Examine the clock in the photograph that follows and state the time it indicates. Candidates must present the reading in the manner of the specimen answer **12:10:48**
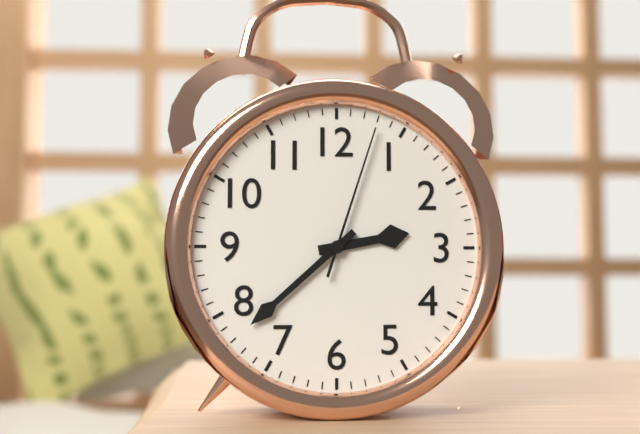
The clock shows **2:38:03**
